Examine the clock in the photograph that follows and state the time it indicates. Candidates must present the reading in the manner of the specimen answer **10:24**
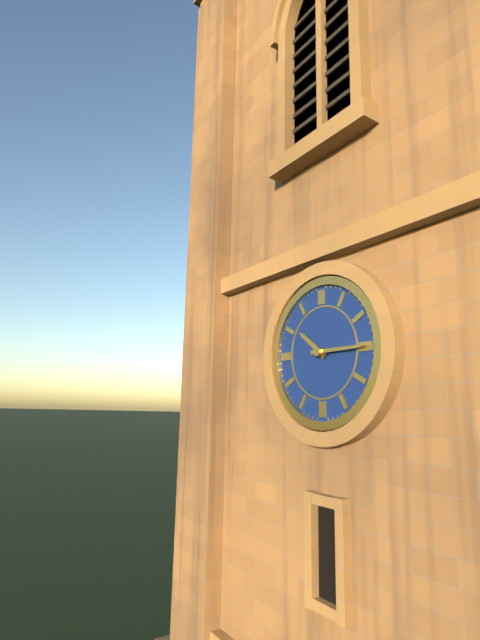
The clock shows **10:15**
